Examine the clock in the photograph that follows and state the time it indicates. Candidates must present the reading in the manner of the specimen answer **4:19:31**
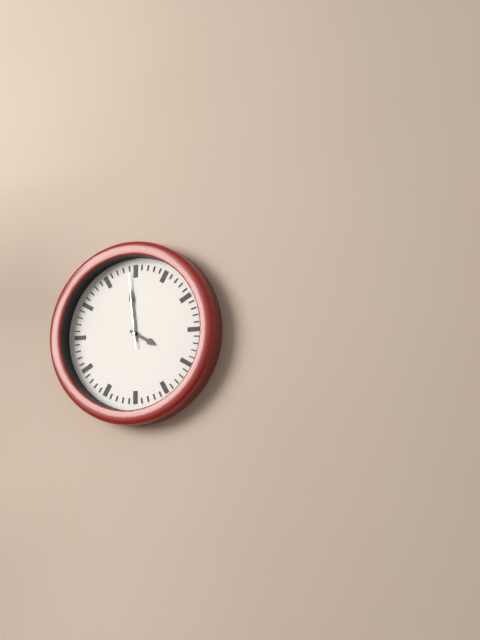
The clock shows **3:59:59**
